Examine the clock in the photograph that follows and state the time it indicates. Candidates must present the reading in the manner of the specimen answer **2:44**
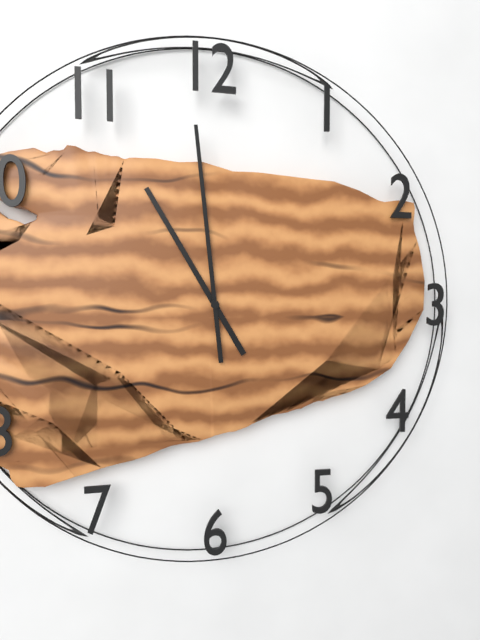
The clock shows **10:59**
